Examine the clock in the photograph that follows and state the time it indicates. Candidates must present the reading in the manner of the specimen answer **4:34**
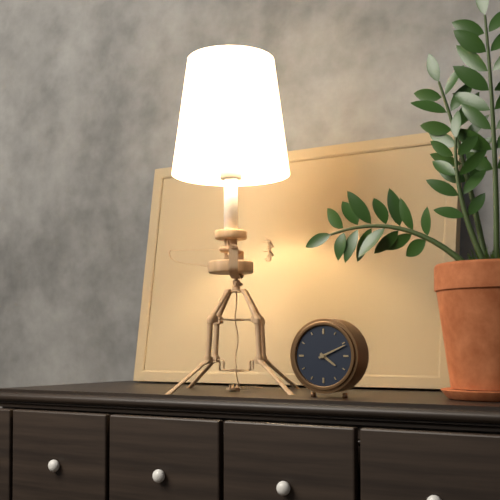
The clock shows **4:11**
